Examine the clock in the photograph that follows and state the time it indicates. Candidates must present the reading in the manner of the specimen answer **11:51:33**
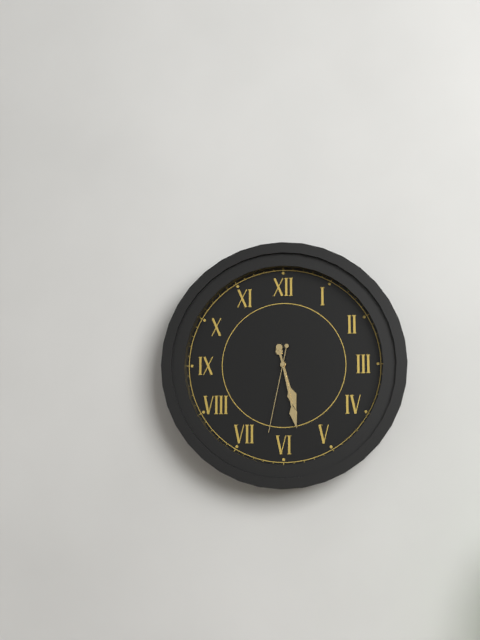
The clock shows **5:28:32**
